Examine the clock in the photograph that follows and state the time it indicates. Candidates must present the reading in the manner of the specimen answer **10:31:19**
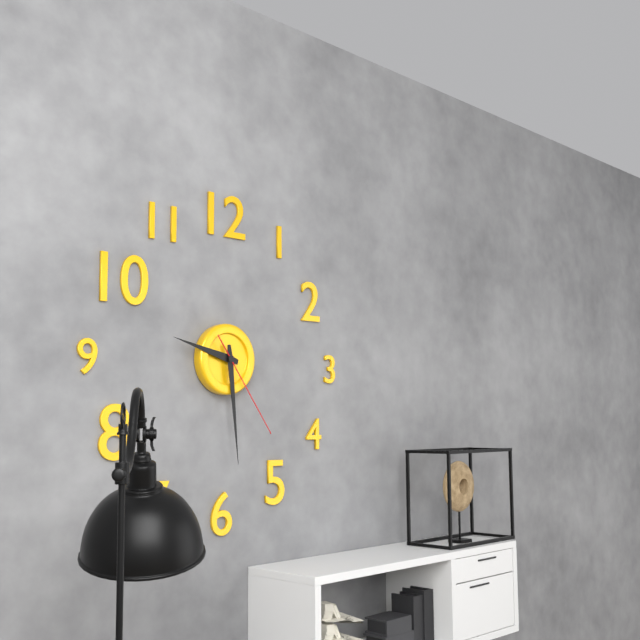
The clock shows **9:29:24**
